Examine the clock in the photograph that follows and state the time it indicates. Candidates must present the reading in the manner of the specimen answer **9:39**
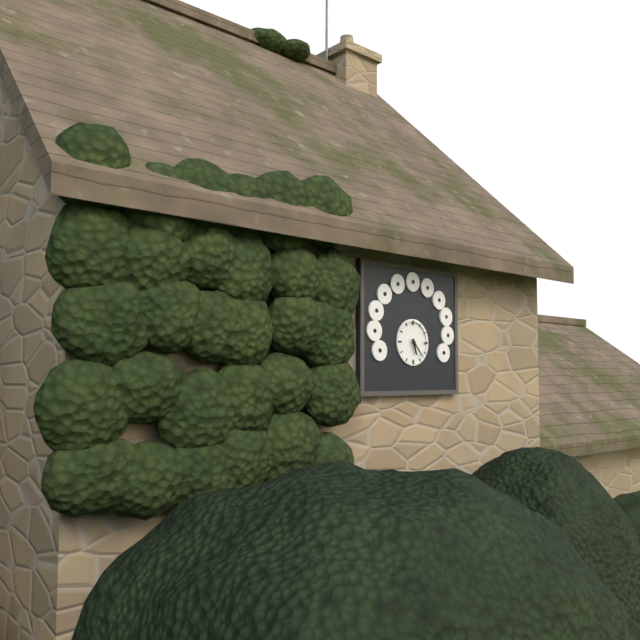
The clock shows **5:23**
